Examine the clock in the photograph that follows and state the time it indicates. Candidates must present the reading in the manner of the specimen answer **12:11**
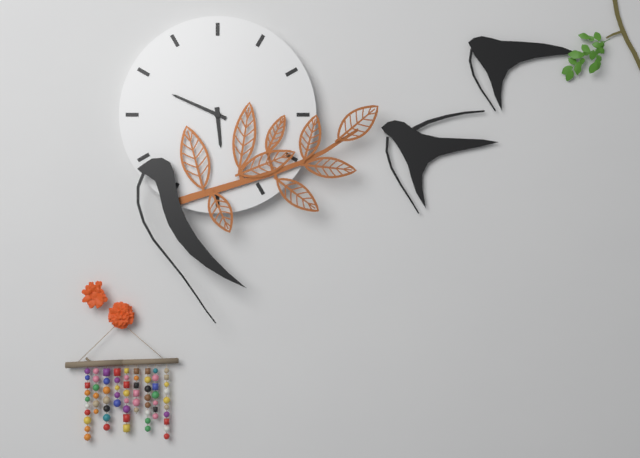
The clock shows **5:49**
